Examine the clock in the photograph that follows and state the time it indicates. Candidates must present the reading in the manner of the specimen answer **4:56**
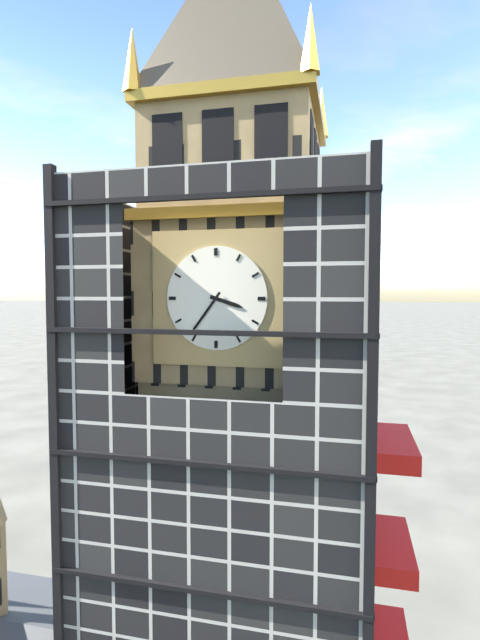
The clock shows **3:36**
